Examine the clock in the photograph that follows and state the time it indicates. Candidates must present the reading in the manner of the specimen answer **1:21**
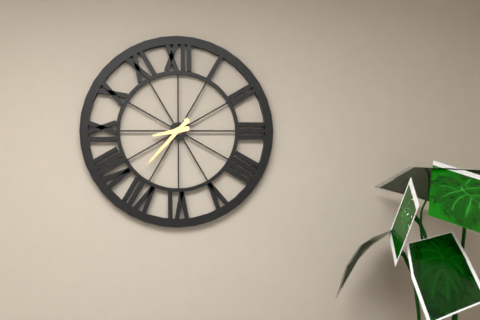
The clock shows **8:37**
